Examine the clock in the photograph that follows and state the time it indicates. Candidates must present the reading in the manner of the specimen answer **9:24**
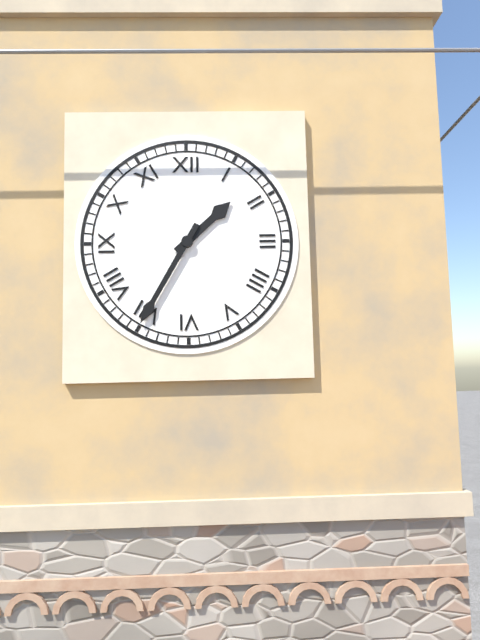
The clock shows **1:35**
